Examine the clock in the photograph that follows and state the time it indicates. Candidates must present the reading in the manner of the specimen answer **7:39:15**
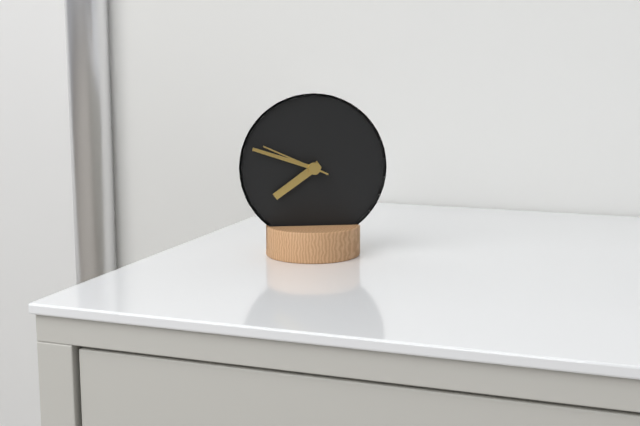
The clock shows **7:48:49**
